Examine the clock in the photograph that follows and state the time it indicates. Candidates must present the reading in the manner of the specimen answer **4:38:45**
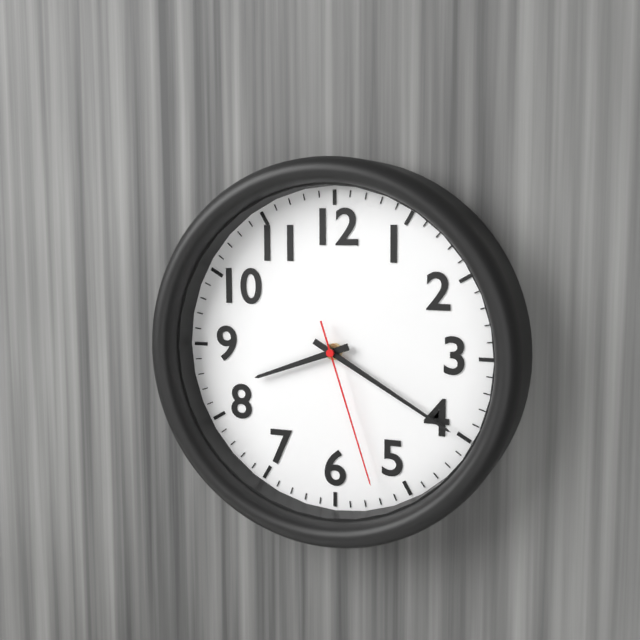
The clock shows **8:20:27**
